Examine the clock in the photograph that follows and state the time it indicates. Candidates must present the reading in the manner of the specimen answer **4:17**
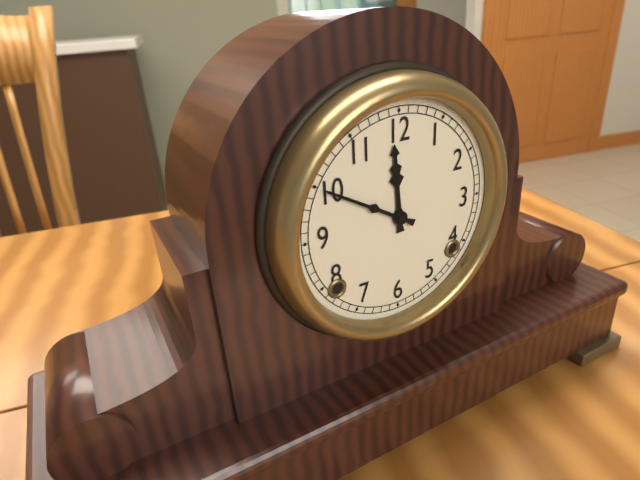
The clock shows **11:50**
